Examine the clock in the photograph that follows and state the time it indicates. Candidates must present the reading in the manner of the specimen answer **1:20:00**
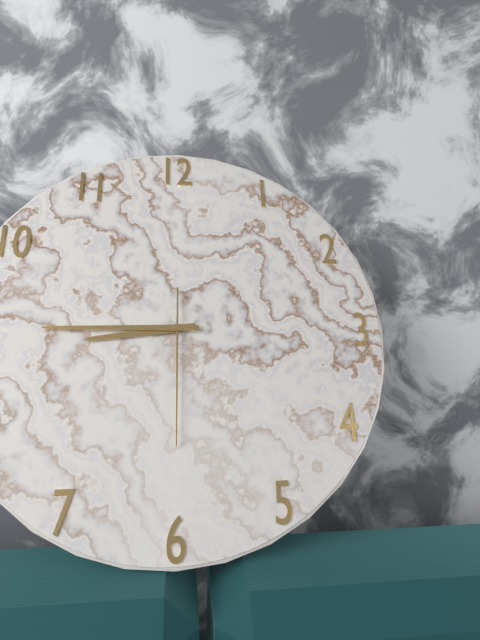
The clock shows **8:45:30**
